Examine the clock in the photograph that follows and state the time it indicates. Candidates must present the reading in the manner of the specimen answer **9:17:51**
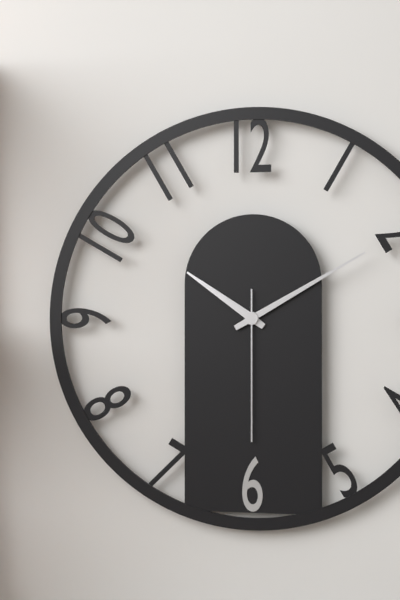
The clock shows **10:10:30**
